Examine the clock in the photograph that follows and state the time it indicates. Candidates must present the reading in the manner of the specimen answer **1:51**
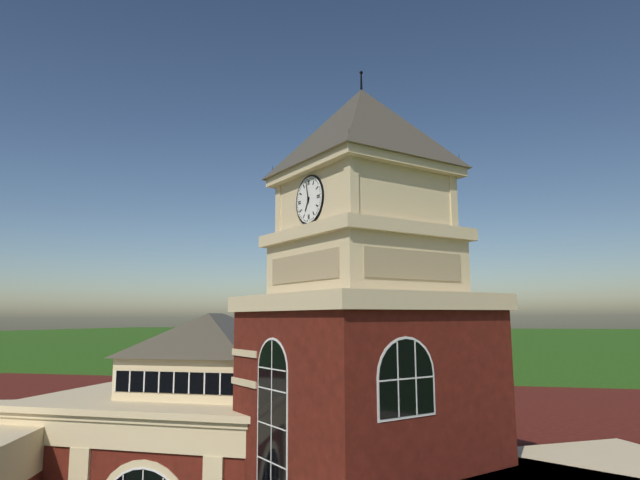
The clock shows **6:58**
